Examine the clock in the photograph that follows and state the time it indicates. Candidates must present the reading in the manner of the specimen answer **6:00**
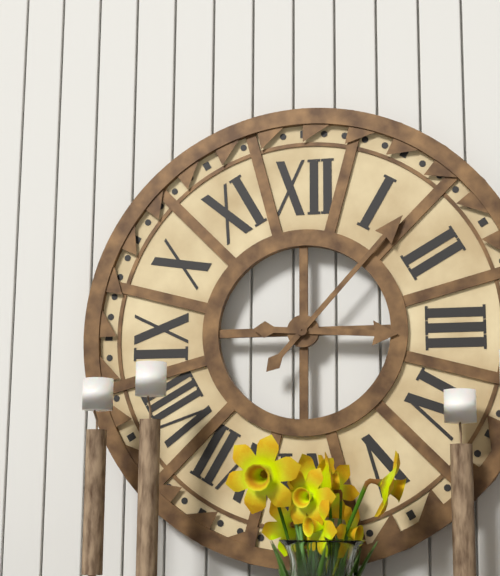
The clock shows **3:07**
